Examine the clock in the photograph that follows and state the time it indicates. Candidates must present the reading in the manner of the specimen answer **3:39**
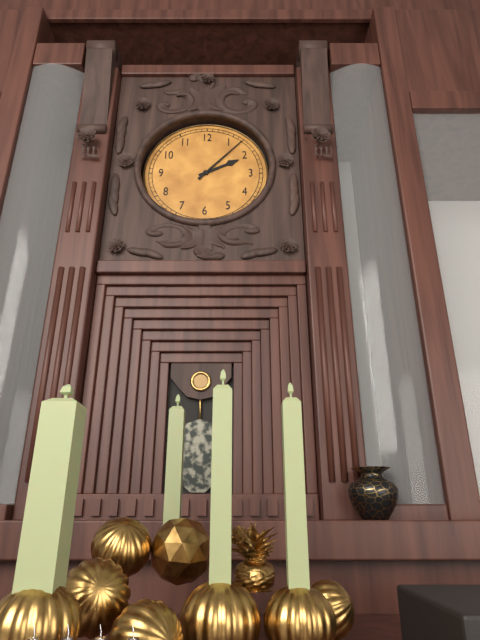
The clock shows **2:07**
